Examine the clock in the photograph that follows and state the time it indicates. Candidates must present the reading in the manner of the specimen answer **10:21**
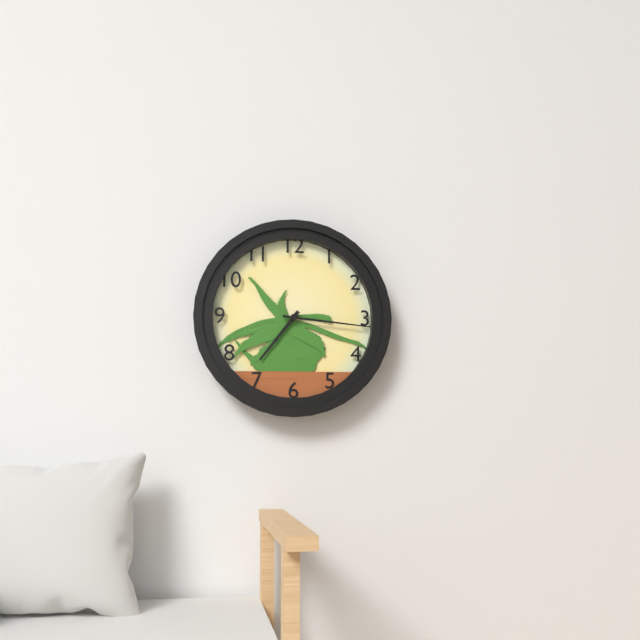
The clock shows **7:16**
